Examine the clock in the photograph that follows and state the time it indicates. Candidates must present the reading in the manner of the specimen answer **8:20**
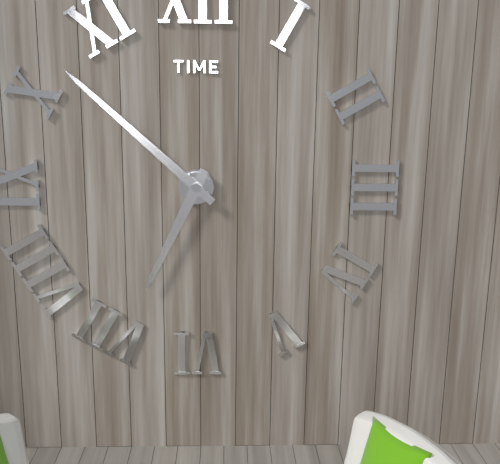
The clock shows **6:52**
